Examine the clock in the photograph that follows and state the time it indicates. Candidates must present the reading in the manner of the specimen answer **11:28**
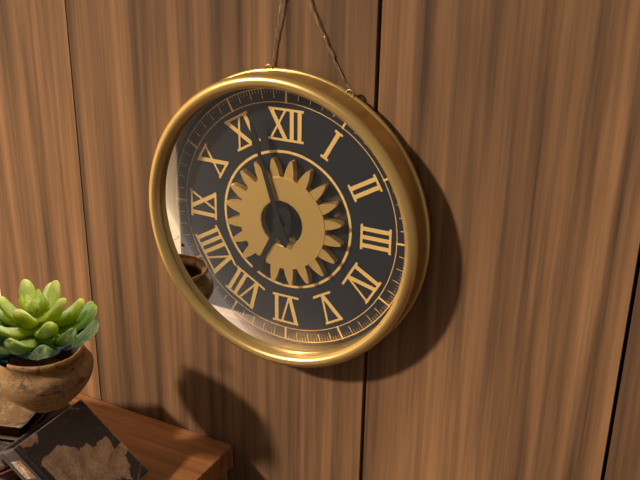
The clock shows **6:57**
